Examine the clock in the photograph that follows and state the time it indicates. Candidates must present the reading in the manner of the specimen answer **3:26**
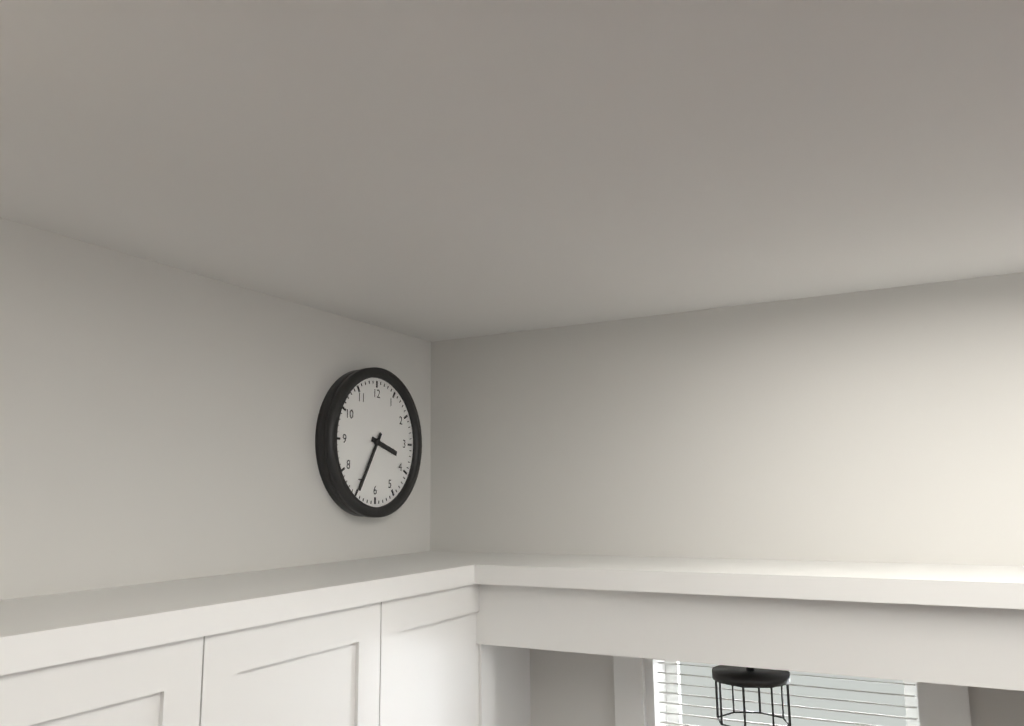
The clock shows **3:35**
